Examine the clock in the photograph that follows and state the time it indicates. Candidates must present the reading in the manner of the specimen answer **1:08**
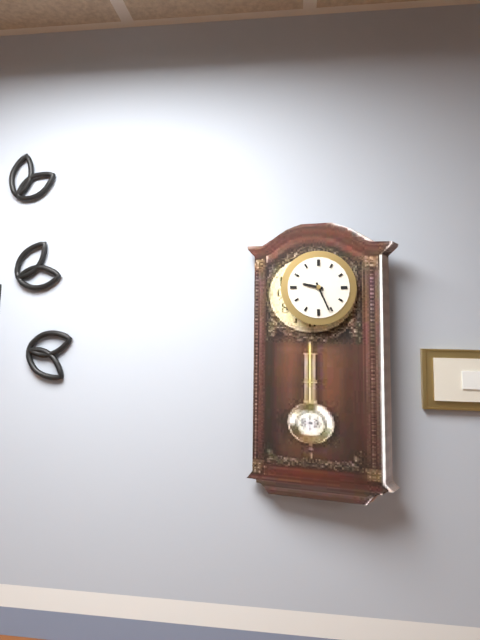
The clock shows **9:26**
